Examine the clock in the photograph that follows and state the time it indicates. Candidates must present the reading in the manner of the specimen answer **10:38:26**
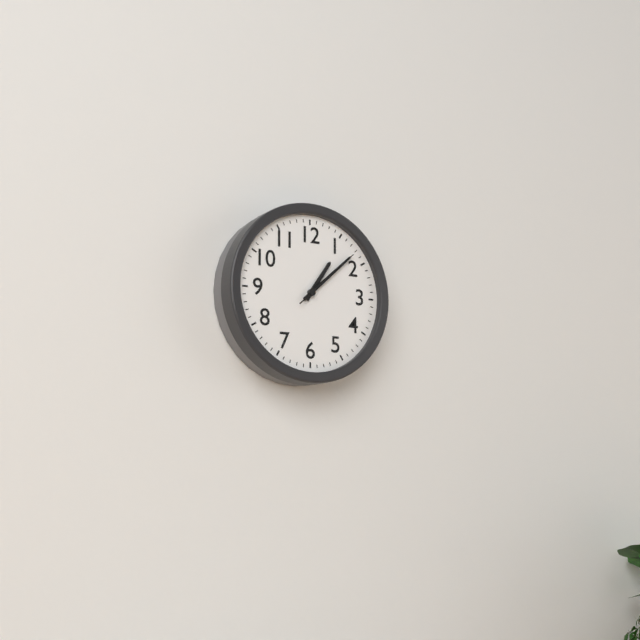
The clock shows **1:08:08**
